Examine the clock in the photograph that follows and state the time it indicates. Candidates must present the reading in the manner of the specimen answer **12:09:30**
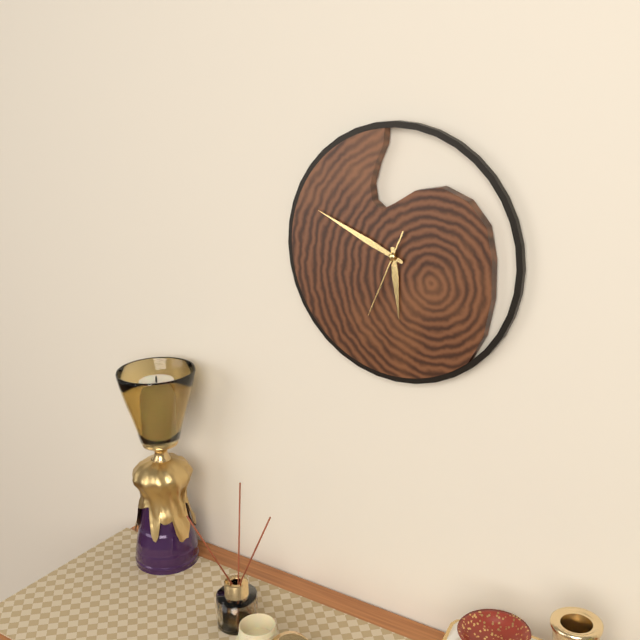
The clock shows **5:49:34**
